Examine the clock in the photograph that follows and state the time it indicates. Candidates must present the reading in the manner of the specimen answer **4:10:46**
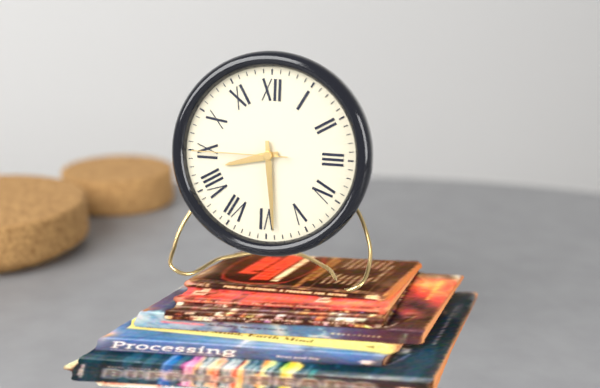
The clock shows **8:29:45**
